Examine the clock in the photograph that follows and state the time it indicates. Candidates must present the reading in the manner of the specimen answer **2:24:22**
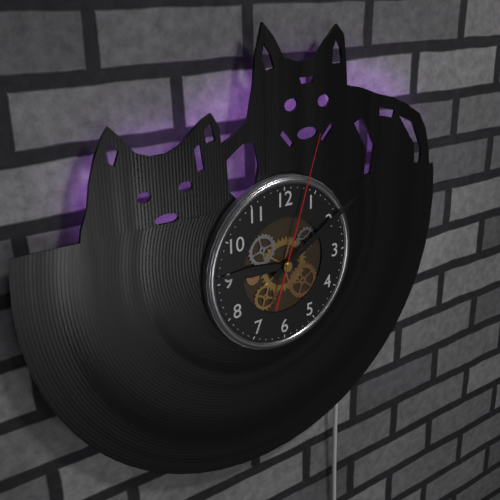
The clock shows **9:10:03**
